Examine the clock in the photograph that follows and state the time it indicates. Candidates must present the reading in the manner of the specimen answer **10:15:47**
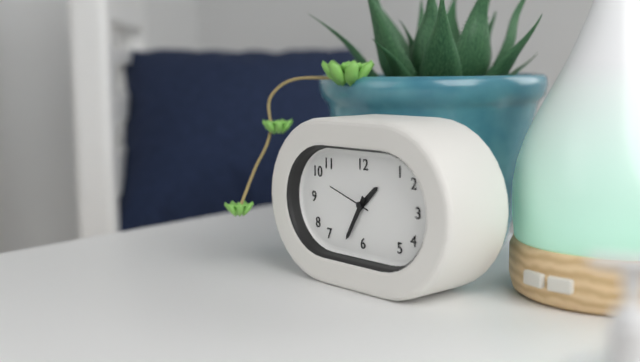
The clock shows **1:35:48**
